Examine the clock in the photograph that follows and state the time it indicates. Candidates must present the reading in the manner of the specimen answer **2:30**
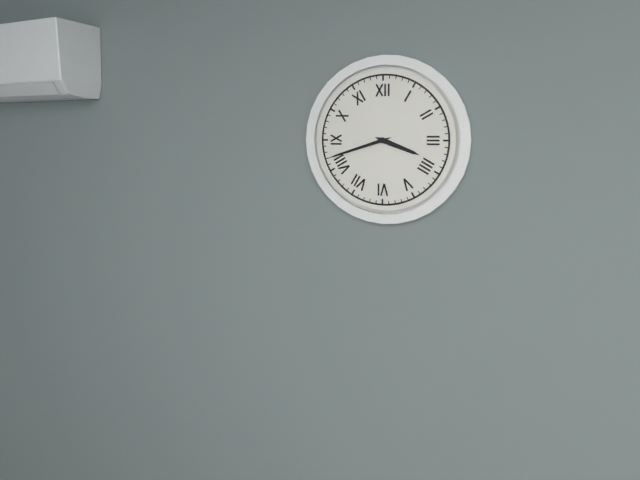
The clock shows **3:42**
